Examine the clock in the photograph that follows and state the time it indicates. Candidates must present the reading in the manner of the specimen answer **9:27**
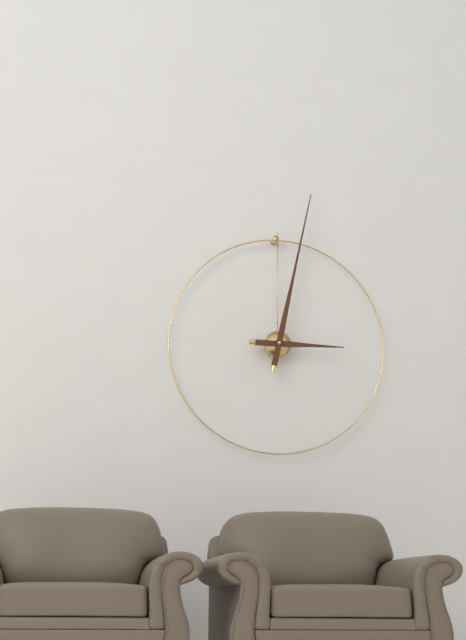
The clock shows **3:02**
